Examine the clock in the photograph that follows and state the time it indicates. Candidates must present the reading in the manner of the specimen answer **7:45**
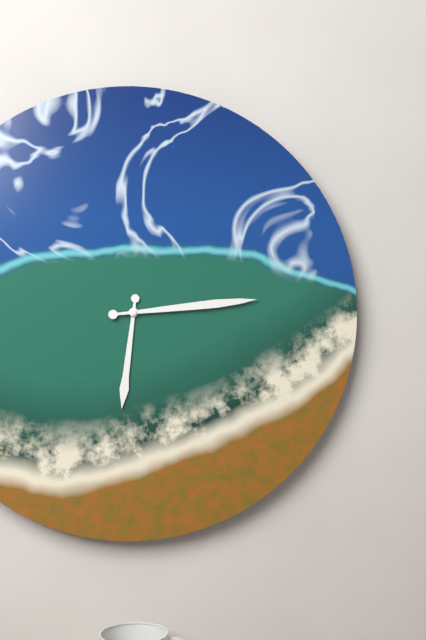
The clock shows **6:14**
